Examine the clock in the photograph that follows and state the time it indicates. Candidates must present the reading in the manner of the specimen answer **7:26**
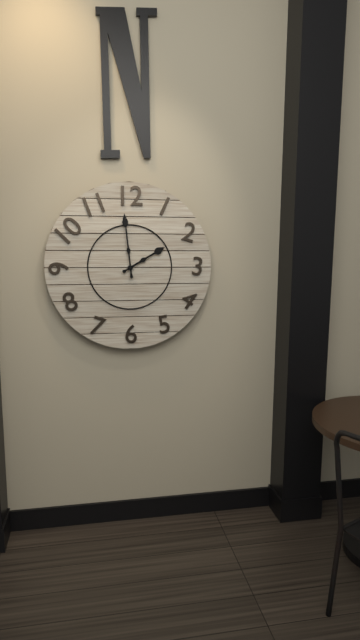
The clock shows **1:59**
